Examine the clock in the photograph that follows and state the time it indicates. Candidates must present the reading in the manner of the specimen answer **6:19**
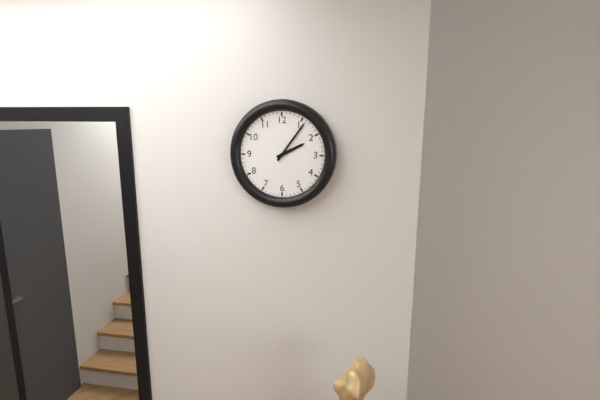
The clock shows **2:06**
